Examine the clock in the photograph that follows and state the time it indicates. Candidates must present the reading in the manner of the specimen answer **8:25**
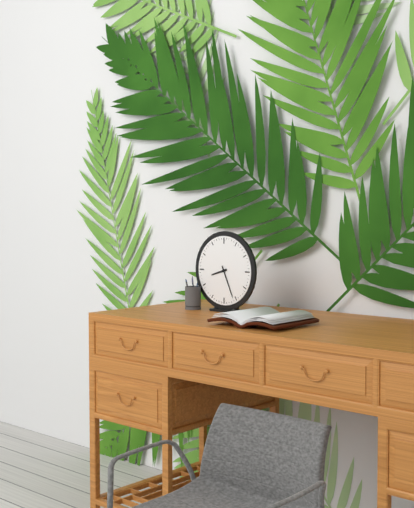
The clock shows **8:26**
